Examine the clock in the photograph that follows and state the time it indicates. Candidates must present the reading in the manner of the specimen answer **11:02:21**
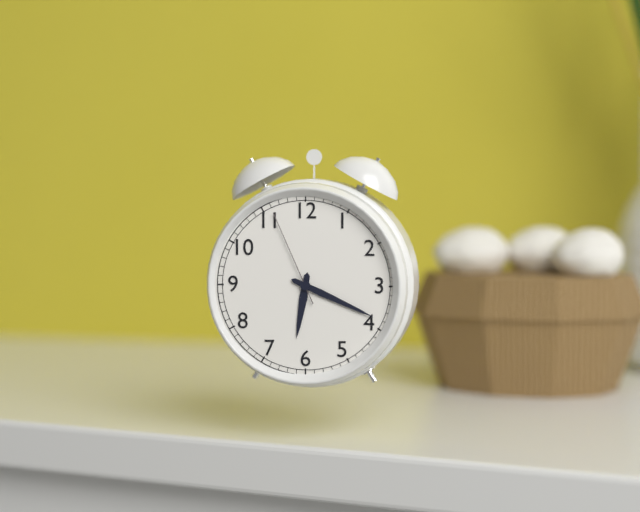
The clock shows **6:19:56**
